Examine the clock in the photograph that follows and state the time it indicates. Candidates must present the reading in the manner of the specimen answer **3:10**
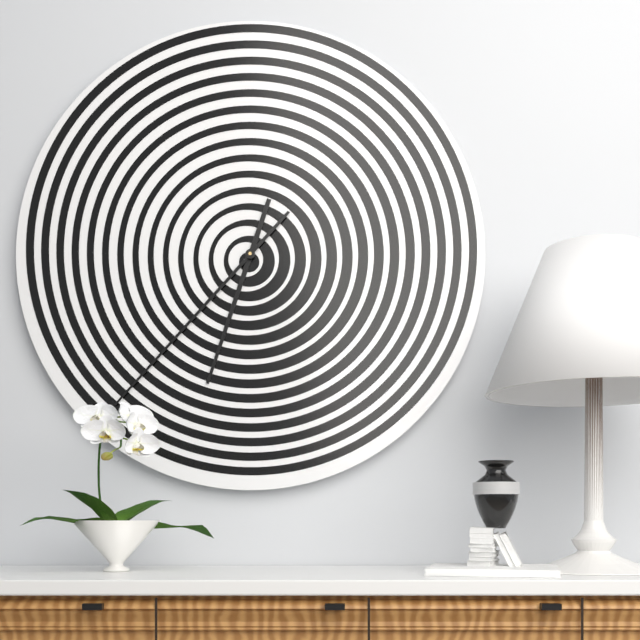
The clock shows **6:37**
